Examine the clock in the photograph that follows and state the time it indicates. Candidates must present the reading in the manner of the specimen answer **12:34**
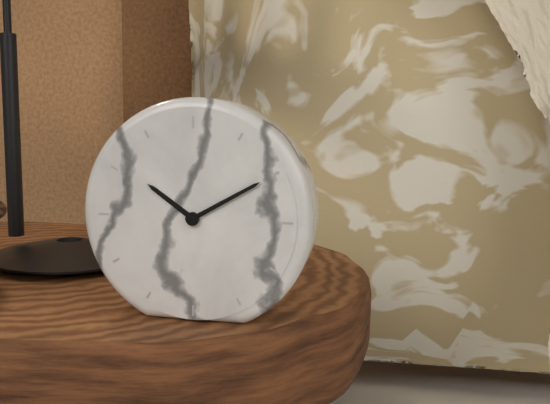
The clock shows **10:10**
